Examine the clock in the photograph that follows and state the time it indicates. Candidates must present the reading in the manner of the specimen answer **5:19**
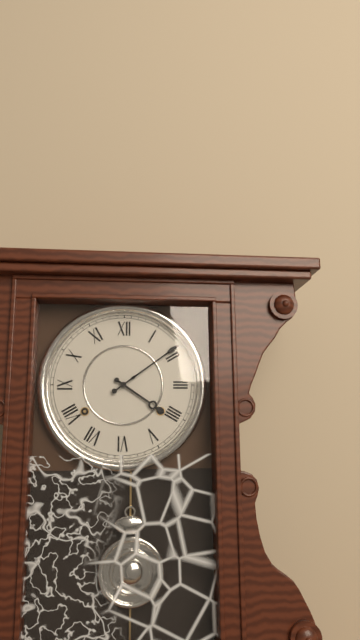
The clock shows **4:09**
